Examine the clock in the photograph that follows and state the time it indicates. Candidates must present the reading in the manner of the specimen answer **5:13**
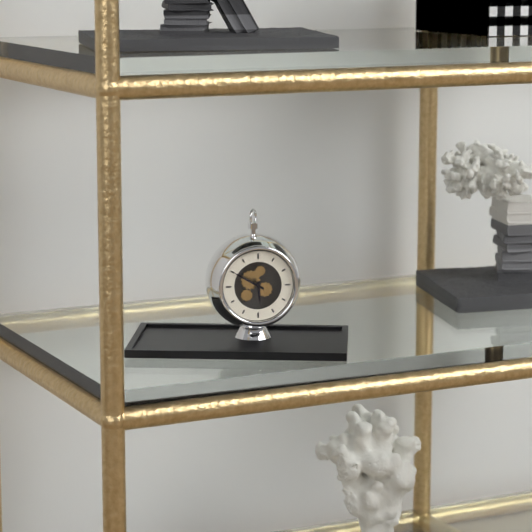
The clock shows **5:50**
